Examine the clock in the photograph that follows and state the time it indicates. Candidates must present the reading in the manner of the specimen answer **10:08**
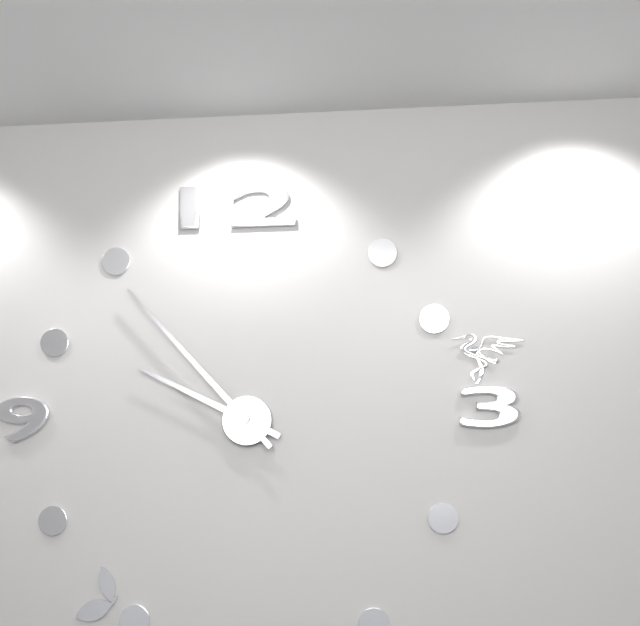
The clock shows **9:53**
